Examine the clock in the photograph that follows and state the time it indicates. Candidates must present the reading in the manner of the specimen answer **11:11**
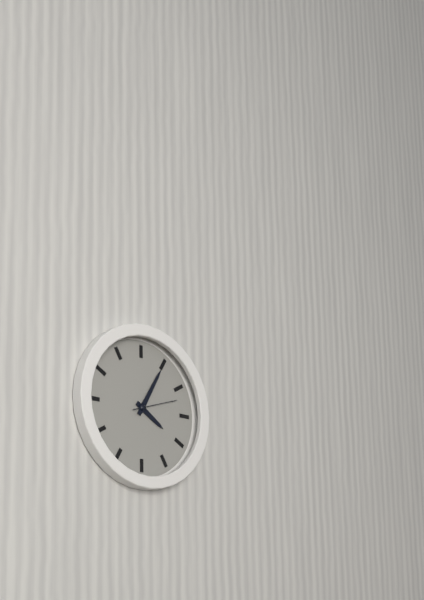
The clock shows **4:05**
